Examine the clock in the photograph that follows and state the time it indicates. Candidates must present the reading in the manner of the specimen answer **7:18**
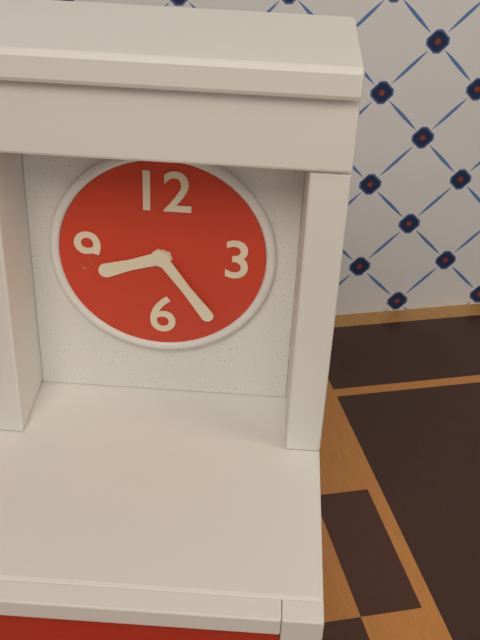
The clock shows **8:24**
